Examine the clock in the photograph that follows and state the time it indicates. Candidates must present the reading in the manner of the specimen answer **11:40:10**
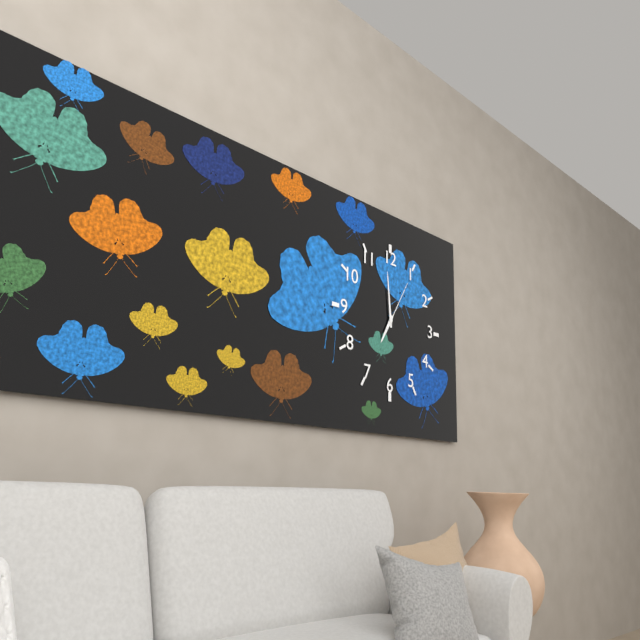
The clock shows **6:59:05**
